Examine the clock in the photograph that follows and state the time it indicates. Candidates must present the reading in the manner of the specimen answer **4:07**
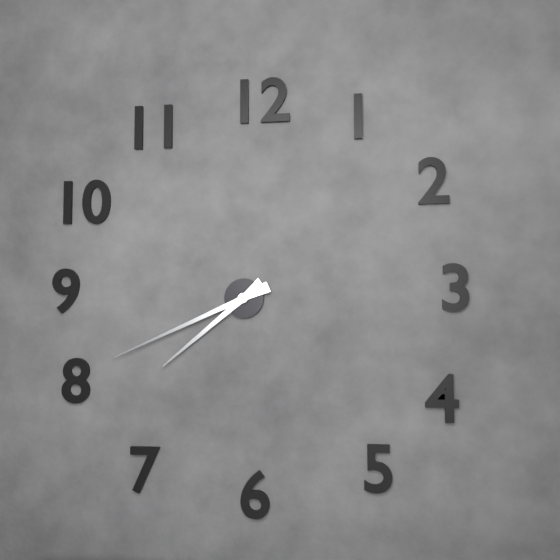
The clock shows **7:41**
